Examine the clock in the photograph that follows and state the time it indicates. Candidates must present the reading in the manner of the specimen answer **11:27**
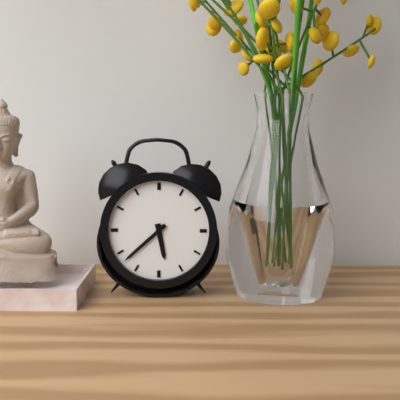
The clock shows **5:38**
